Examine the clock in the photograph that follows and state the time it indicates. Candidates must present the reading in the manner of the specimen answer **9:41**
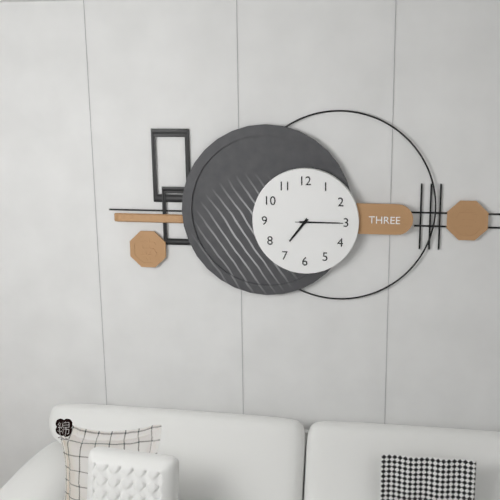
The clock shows **7:15**
